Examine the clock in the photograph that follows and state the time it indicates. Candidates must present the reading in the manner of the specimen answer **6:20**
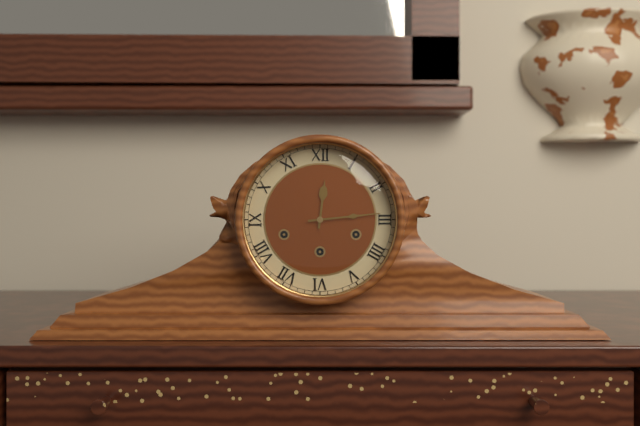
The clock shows **12:14**
